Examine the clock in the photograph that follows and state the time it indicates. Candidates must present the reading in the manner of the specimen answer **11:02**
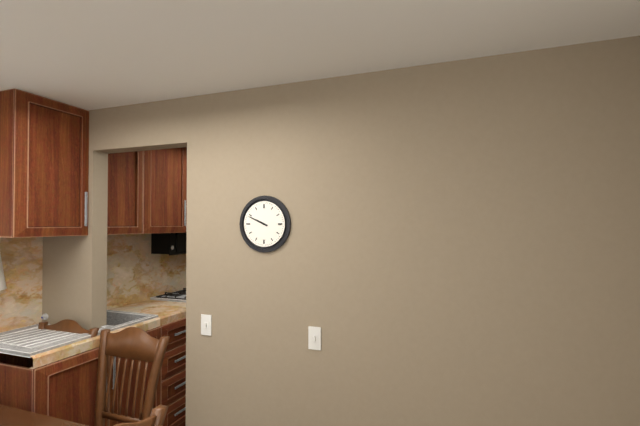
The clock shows **9:49**
